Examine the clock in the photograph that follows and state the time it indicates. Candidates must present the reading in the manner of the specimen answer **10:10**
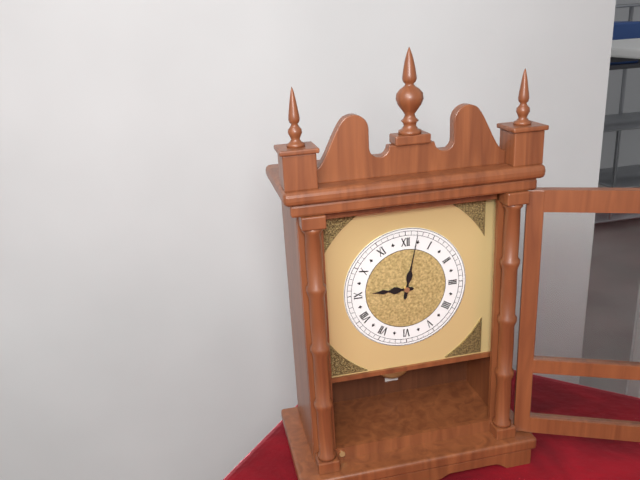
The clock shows **9:02**
